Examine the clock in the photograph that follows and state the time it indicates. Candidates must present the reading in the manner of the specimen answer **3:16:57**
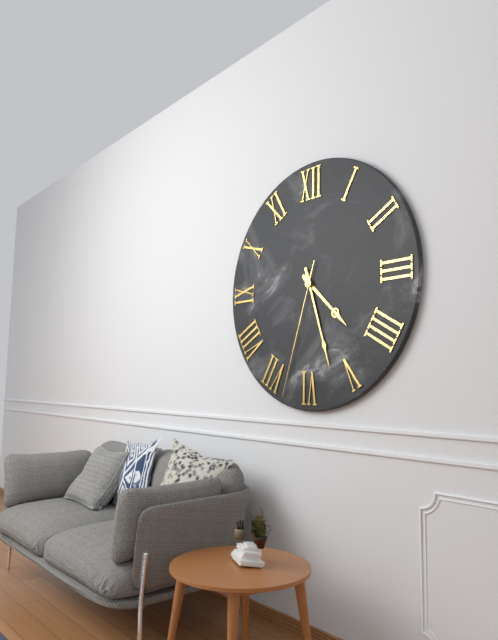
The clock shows **4:27:33**
